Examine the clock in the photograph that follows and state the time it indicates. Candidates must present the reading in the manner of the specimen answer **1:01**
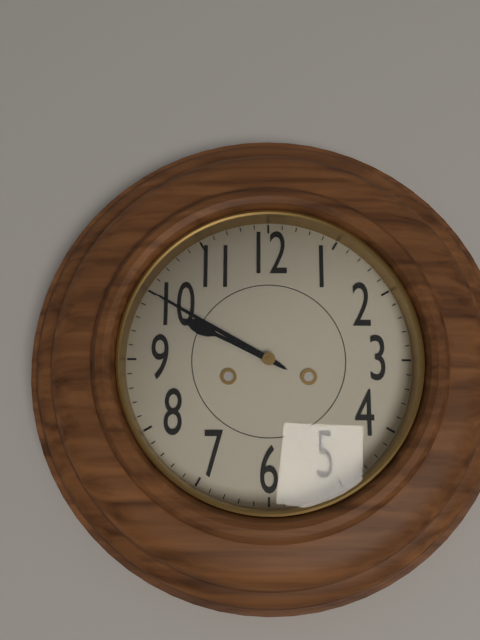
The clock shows **9:50**
